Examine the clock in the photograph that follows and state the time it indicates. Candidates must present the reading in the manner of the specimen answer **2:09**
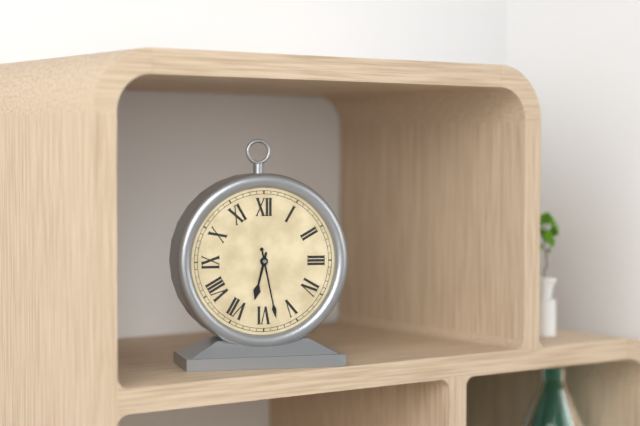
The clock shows **6:28**
